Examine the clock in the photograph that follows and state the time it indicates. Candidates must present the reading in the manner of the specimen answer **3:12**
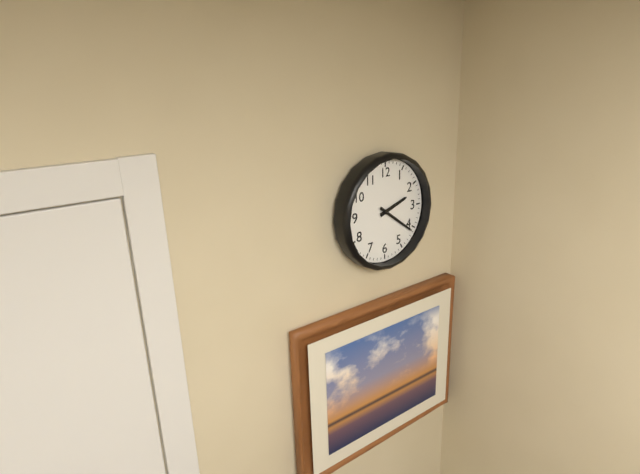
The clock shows **2:21**
